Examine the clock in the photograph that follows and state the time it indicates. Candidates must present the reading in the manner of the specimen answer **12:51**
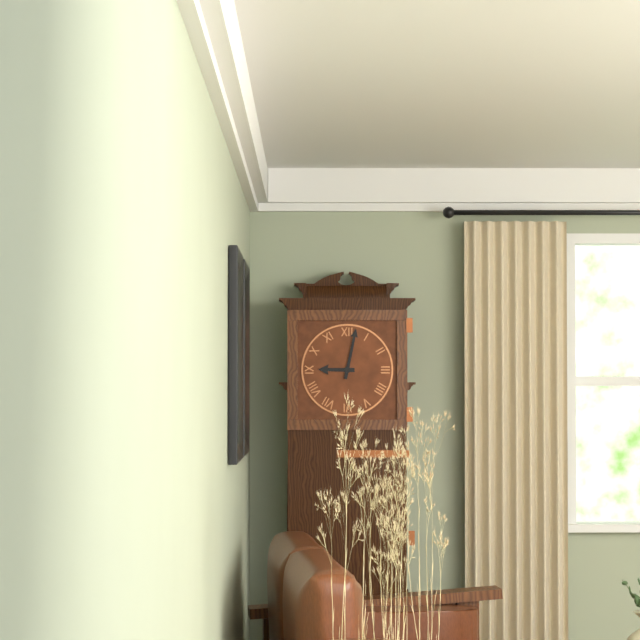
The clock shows **9:02**
